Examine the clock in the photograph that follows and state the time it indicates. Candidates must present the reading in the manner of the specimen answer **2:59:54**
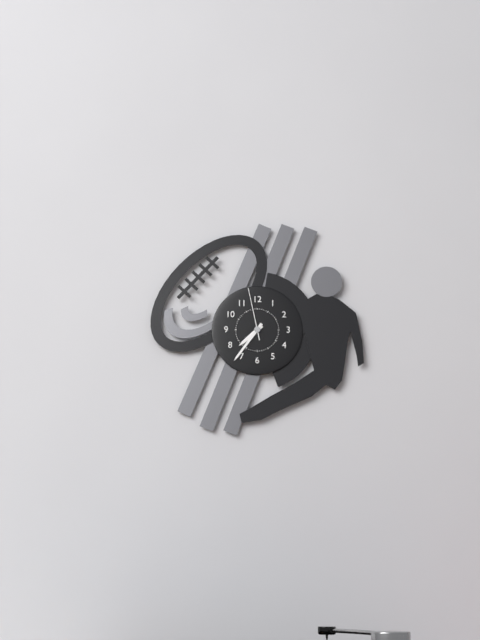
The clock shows **7:36:58**
